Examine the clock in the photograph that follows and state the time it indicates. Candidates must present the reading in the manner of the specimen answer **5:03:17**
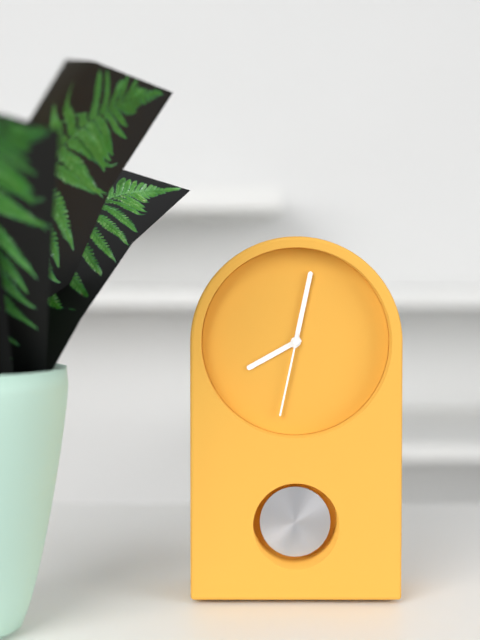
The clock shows **8:02:32**
